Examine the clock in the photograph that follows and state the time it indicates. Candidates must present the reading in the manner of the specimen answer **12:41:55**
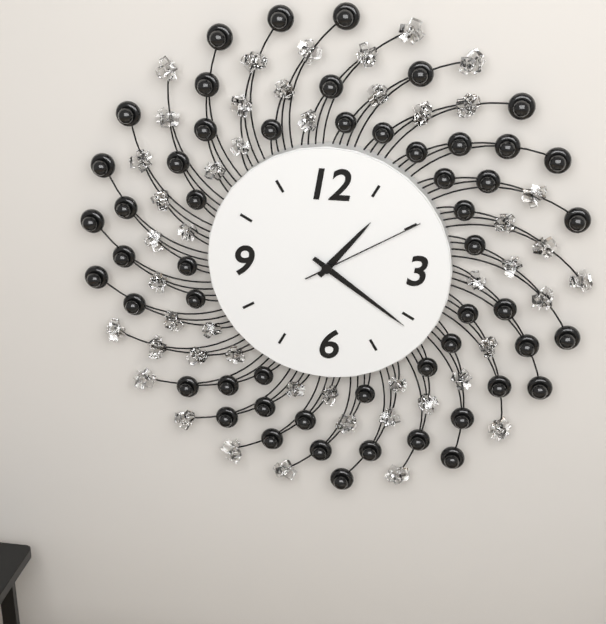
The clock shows **1:21:10**
